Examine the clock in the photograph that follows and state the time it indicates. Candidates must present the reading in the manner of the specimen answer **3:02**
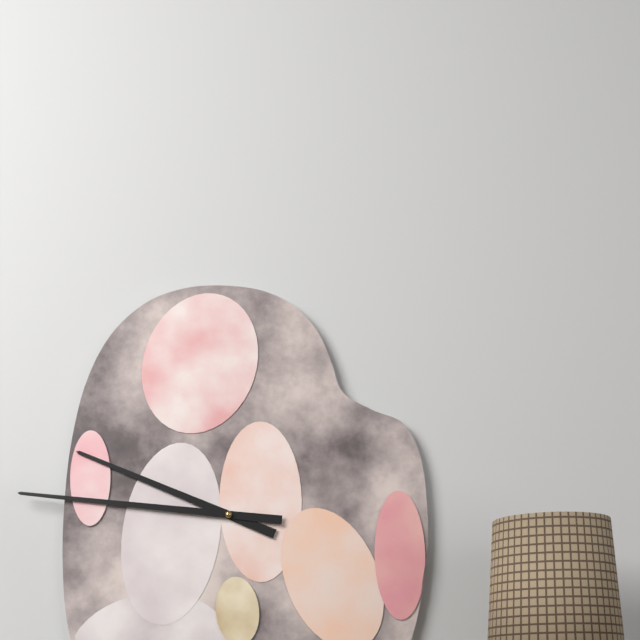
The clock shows **9:46**
